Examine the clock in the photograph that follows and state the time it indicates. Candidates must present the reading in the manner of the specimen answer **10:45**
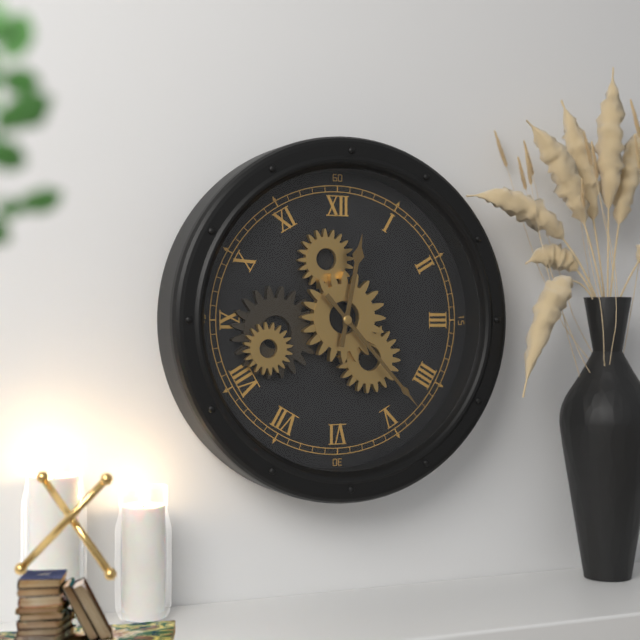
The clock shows **12:23**
